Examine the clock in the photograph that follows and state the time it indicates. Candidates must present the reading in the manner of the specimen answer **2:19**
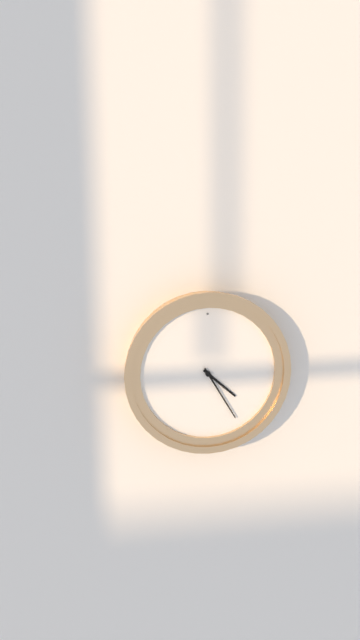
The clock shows **4:25**
